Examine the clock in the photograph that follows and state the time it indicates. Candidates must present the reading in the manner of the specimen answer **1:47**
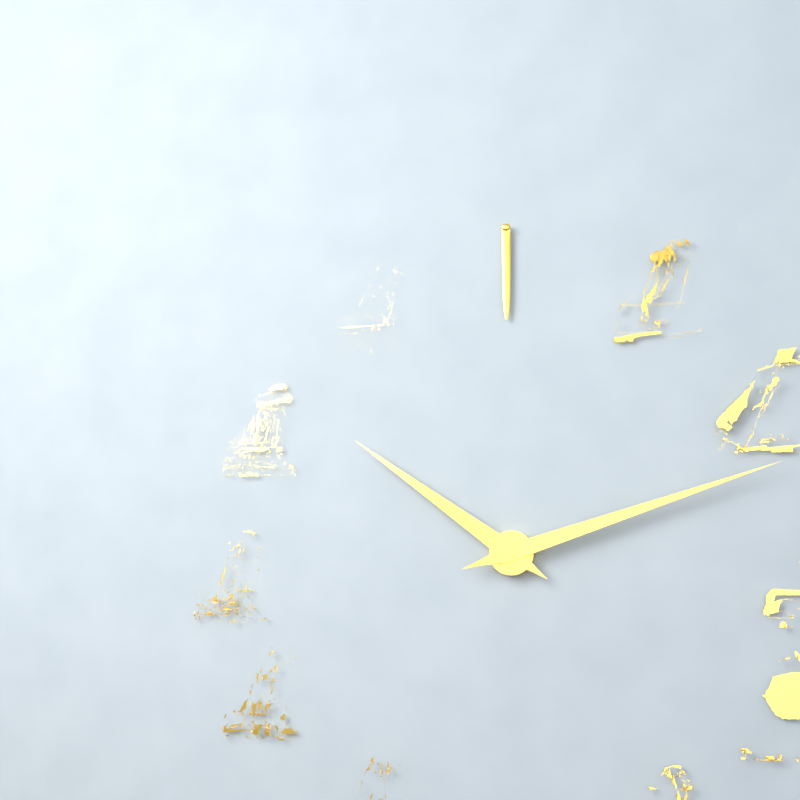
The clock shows **10:12**
